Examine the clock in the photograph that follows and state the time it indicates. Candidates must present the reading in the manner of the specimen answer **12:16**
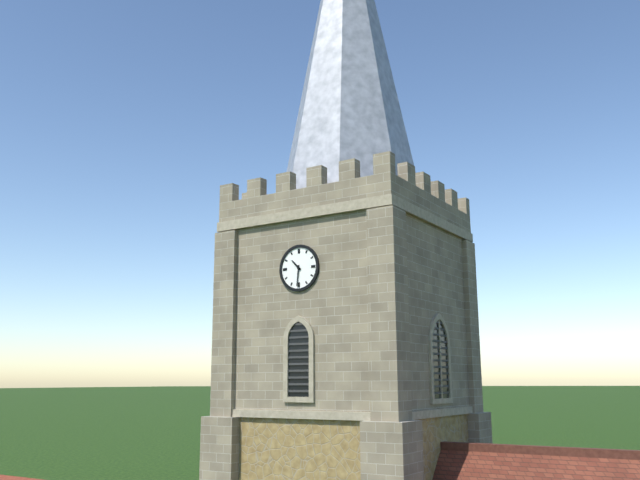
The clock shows **10:31**
